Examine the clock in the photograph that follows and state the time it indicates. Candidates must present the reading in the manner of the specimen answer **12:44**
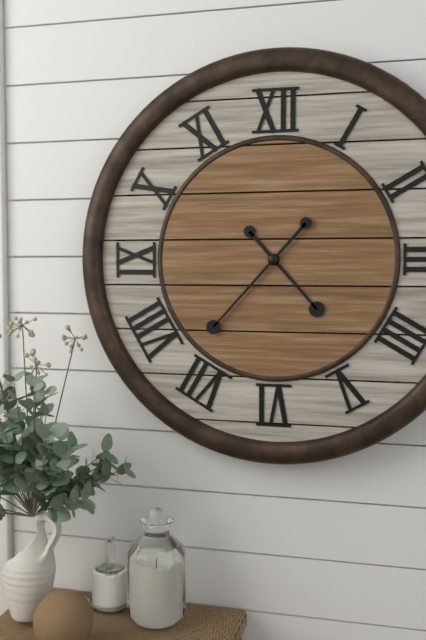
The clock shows **4:37**
